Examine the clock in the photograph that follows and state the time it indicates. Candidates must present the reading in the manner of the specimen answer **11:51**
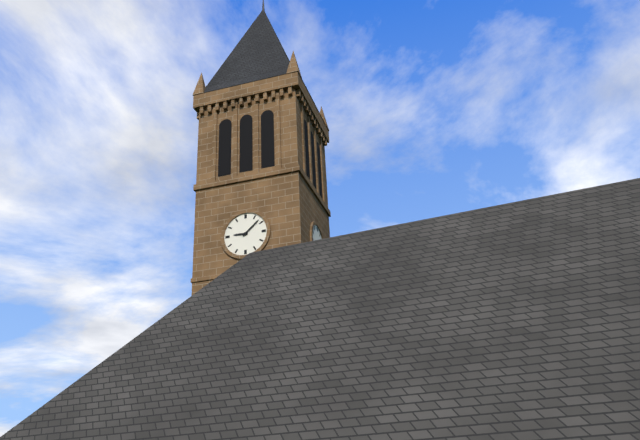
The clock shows **9:08**
